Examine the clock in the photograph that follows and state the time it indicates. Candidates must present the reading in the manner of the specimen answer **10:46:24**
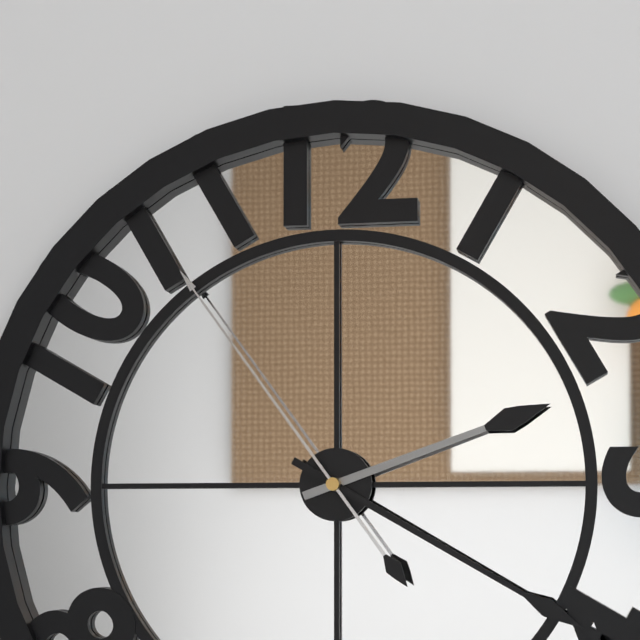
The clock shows **2:20:54**
